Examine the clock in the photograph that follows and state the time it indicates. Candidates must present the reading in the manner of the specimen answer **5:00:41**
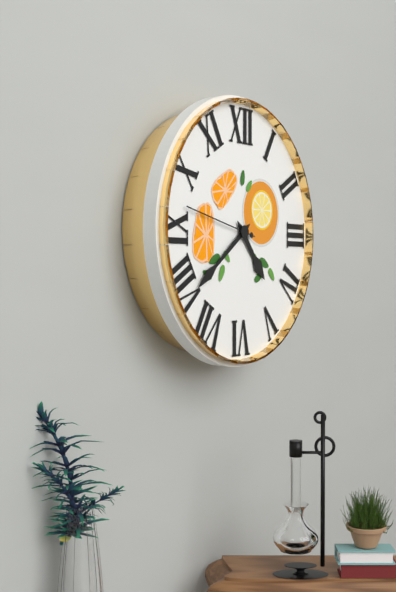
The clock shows **4:39:47**
